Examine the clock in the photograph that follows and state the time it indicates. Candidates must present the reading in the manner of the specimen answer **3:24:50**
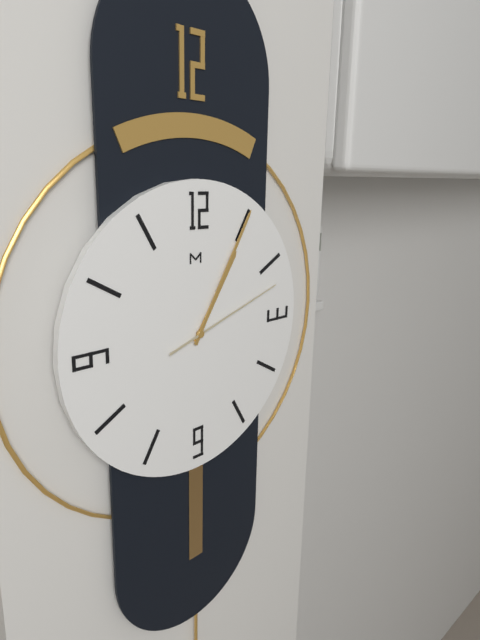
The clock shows **1:05:12**
